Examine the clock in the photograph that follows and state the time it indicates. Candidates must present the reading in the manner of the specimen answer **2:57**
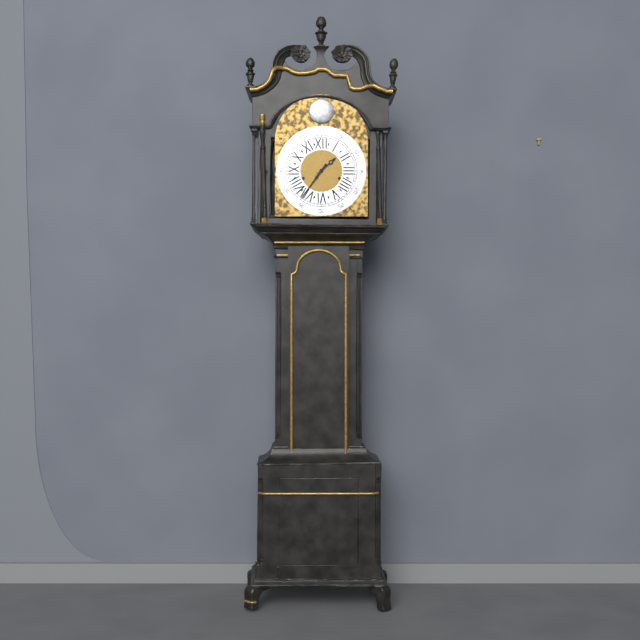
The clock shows **1:36**
